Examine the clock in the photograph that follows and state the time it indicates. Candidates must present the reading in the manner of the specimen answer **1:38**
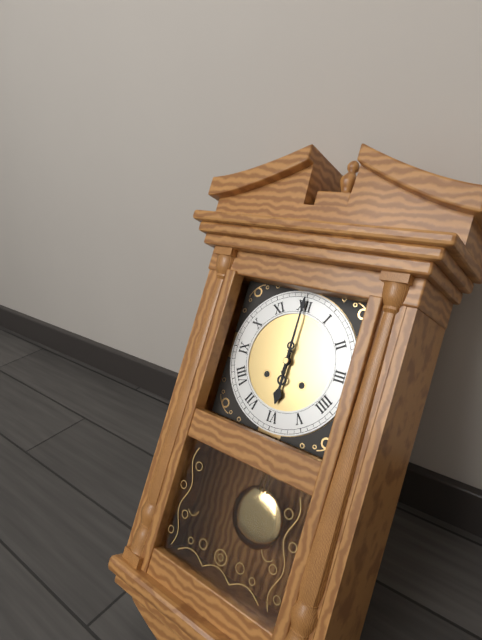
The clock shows **6:00**
